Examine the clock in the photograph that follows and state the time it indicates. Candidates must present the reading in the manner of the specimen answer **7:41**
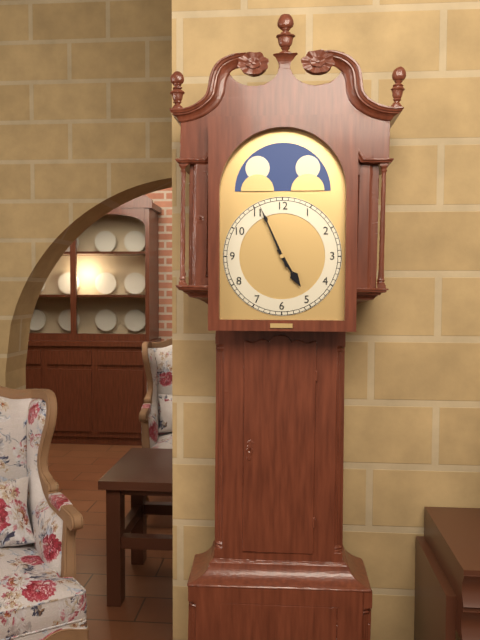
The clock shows **4:56**
